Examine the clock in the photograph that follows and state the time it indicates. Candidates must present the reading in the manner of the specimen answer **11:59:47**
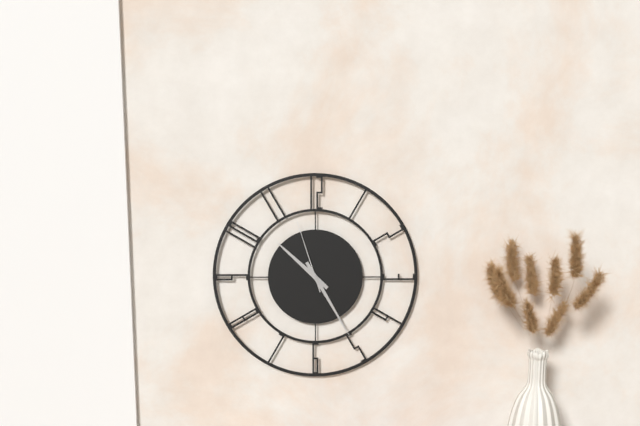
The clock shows **10:25:57**
